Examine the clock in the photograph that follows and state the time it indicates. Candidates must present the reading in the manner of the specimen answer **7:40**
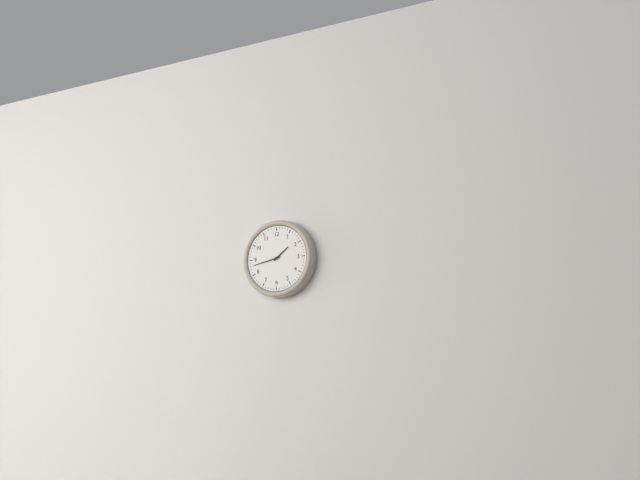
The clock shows **1:43**
